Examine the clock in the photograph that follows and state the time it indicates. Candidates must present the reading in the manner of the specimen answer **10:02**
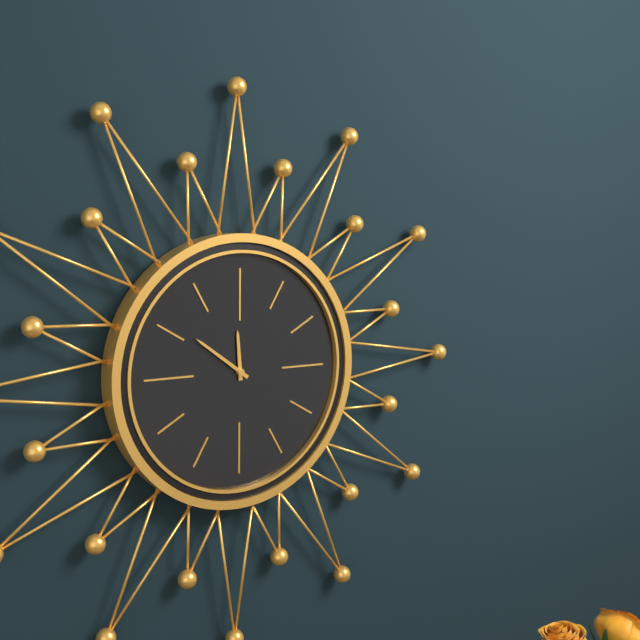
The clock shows **11:51**
